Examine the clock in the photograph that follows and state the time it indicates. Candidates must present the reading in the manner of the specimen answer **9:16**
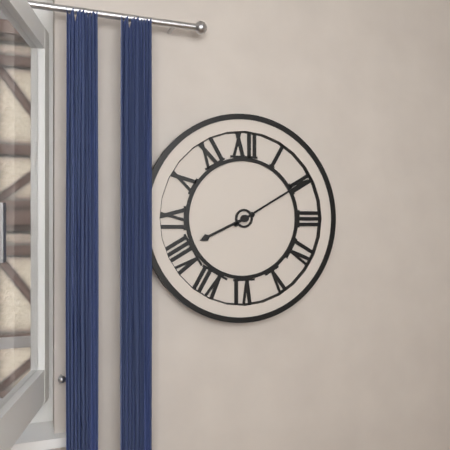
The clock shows **8:10**
